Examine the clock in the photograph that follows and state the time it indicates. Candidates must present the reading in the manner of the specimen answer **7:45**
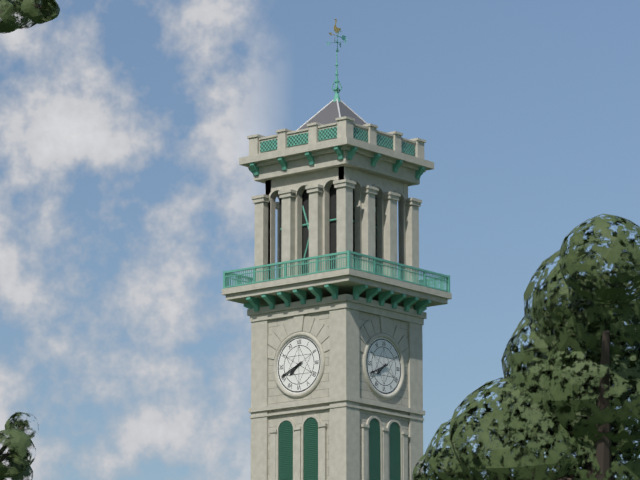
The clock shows **7:41**
